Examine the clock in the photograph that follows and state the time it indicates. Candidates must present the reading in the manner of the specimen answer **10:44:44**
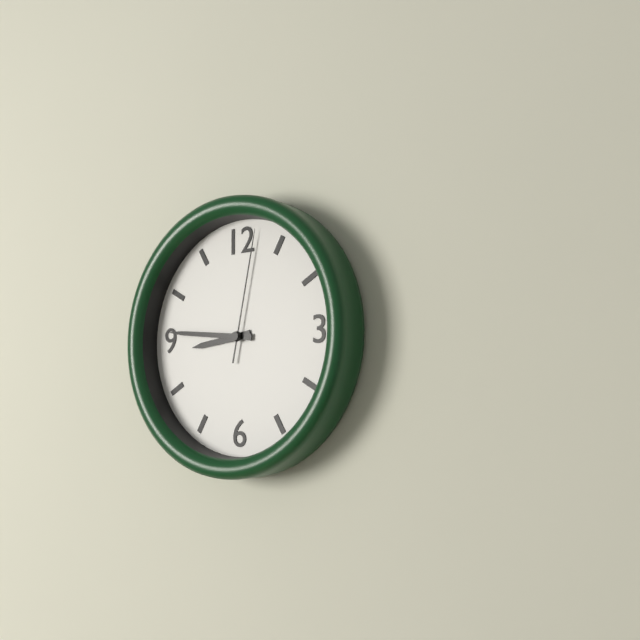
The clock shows **8:46:02**
